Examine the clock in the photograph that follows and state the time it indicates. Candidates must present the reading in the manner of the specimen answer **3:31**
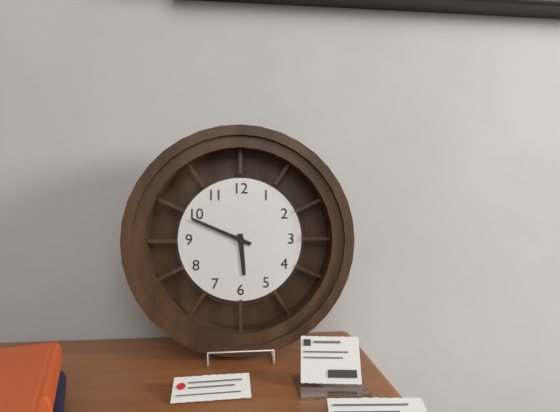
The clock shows **5:49**
